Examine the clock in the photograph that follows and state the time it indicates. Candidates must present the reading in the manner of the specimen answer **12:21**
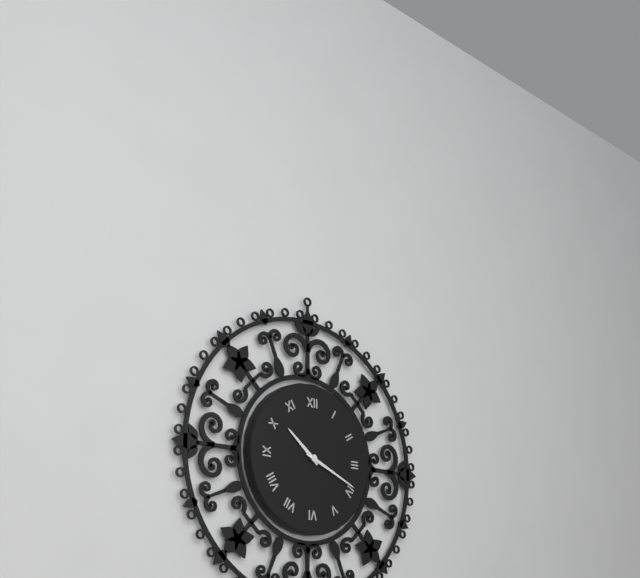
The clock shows **10:19**
